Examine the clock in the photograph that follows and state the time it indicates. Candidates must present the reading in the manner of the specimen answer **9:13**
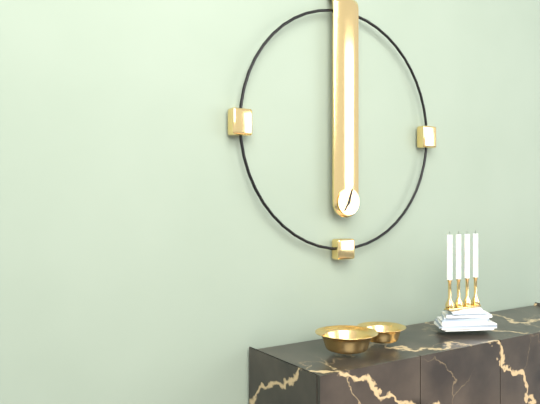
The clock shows **7:03**
